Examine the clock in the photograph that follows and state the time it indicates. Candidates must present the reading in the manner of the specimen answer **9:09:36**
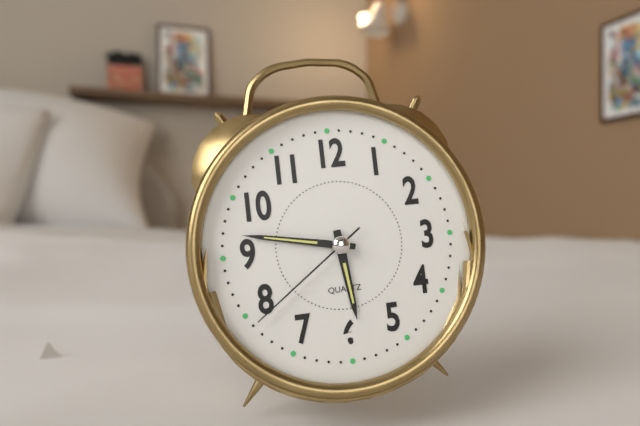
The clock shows **5:47:39**
